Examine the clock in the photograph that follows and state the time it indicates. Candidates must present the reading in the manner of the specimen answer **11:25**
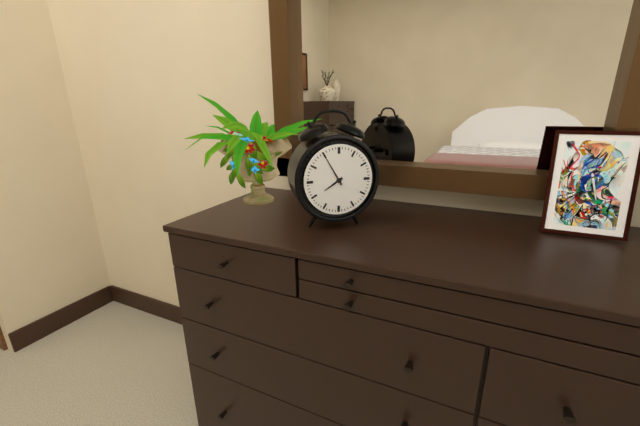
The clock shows **7:55**
